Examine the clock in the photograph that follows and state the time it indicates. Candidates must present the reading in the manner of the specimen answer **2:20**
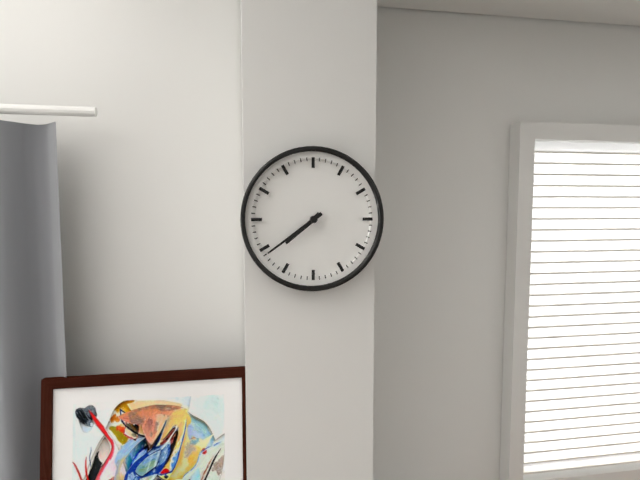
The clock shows **7:39**
